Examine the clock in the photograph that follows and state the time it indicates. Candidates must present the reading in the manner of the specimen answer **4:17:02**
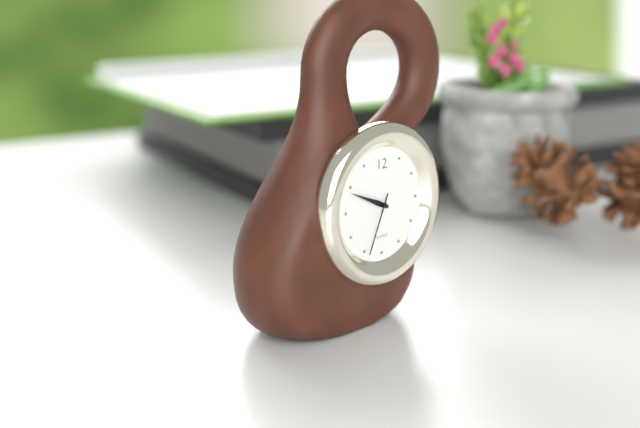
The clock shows **9:49:34**
